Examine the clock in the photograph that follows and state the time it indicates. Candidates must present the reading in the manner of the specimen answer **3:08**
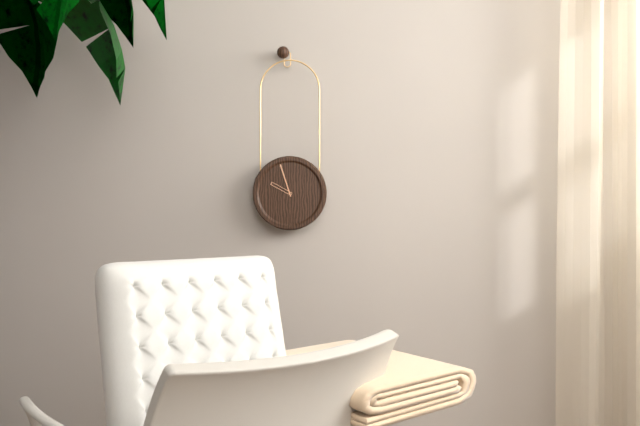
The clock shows **9:57**
